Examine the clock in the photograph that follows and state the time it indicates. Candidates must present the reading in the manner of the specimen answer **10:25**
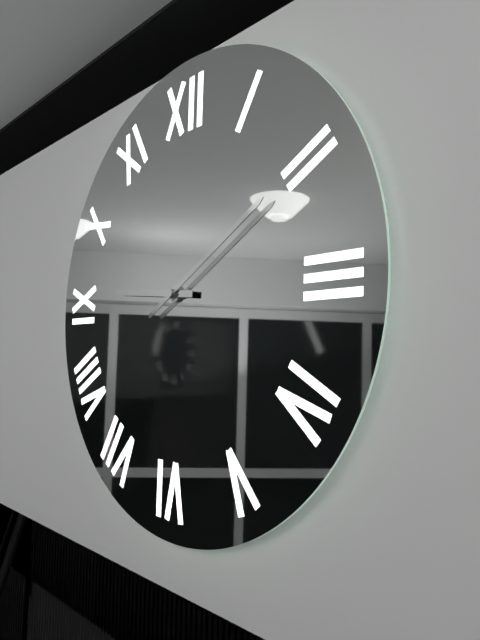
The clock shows **9:10**
